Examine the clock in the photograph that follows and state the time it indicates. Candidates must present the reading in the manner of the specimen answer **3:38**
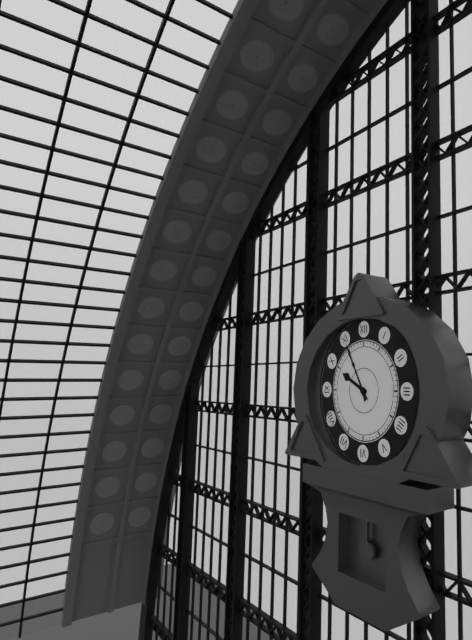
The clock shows **9:55**
